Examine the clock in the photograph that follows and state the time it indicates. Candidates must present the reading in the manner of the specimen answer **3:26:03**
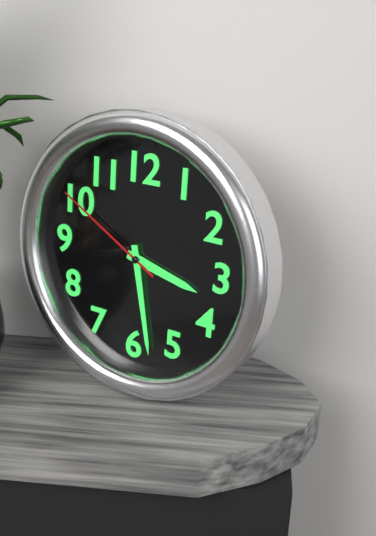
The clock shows **3:28:50**
